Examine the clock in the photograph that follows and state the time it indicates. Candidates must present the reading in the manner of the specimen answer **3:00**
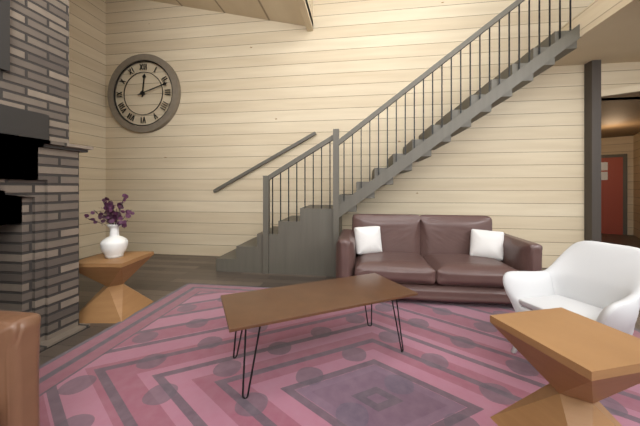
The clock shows **12:12**
